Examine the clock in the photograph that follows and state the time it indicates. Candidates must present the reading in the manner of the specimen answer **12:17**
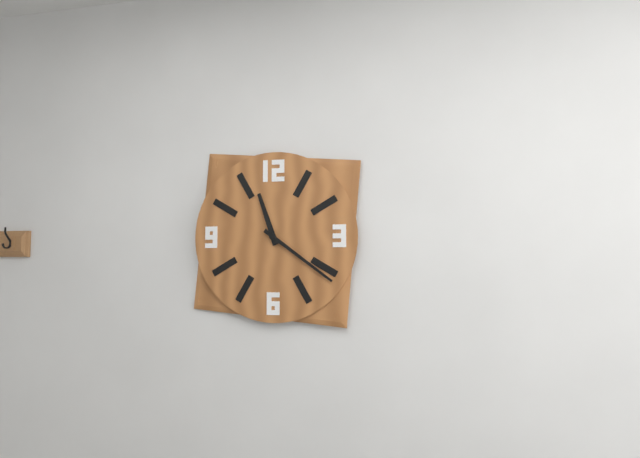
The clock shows **11:21**
